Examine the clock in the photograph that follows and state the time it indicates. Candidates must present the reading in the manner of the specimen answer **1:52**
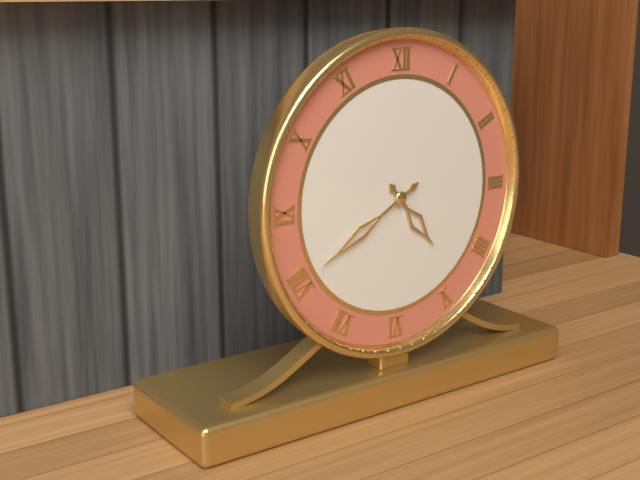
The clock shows **4:40**
